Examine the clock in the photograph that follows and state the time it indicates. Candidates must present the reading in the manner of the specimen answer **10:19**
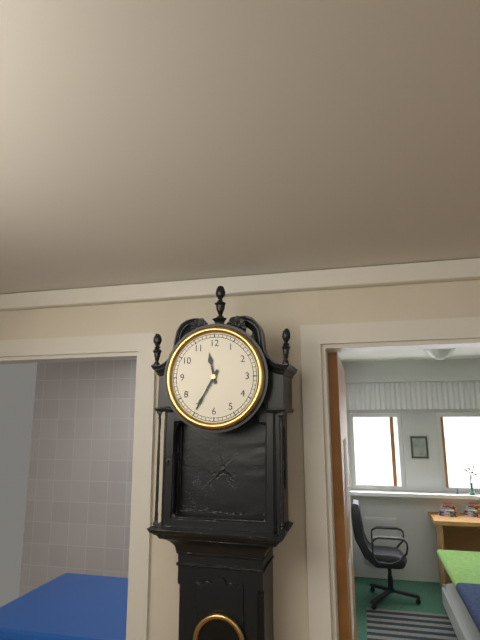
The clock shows **11:35**
